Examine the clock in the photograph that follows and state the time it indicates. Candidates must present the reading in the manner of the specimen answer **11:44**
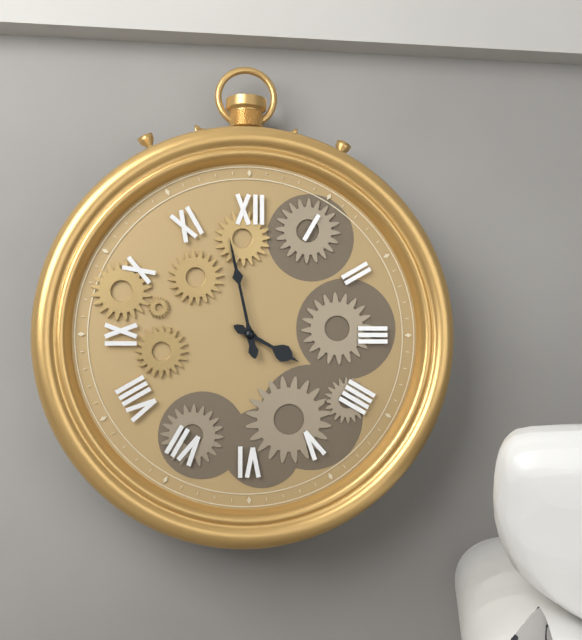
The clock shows **3:58**
